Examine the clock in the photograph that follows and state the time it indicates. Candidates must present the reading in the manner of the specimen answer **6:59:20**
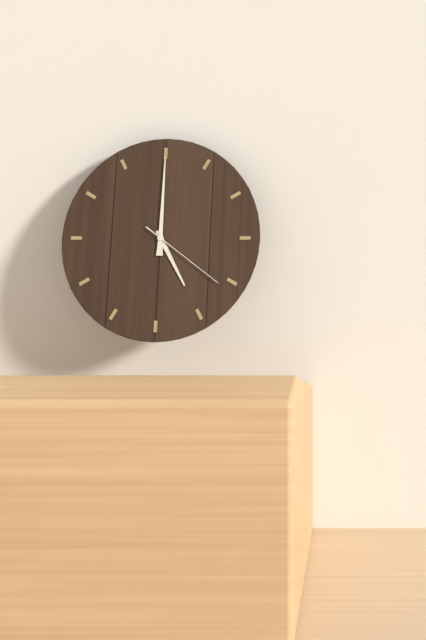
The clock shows **5:00:21**
